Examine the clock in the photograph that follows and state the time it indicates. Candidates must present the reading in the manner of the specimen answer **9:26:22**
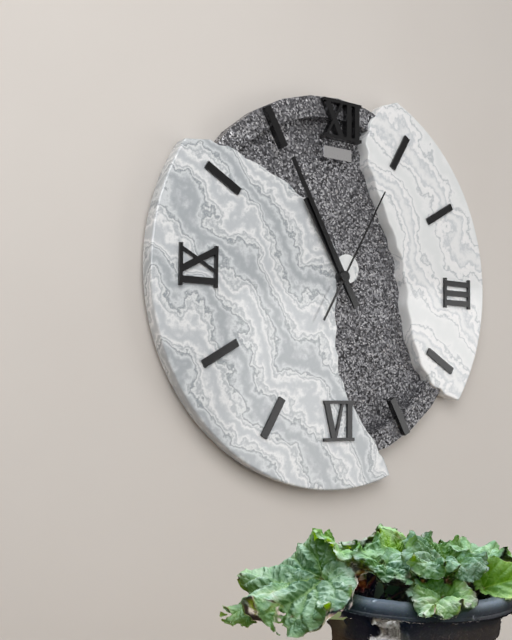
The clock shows **10:55:05**
